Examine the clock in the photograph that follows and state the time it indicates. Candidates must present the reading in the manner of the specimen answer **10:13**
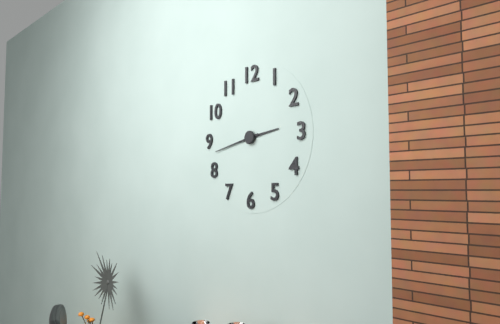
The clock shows **2:43**
